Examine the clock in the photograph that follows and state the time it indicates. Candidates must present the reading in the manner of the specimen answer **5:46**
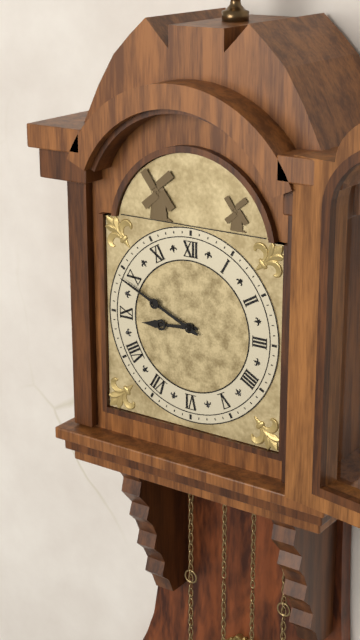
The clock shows **8:49**
